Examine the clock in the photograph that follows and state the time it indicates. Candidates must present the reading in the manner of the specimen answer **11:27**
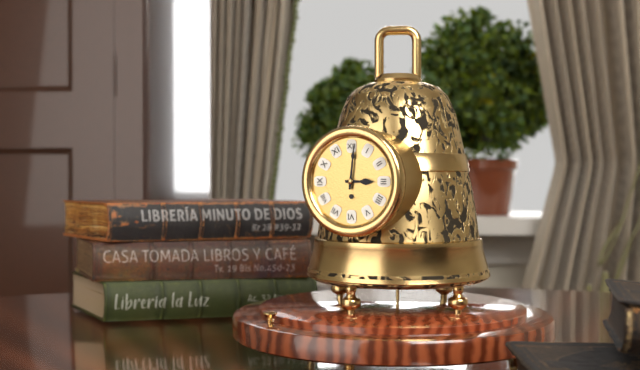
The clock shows **3:01**
